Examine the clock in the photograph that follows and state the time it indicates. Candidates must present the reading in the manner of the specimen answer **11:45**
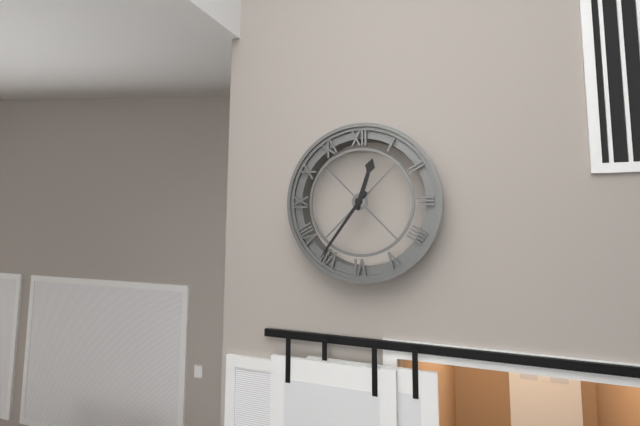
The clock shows **12:36**
